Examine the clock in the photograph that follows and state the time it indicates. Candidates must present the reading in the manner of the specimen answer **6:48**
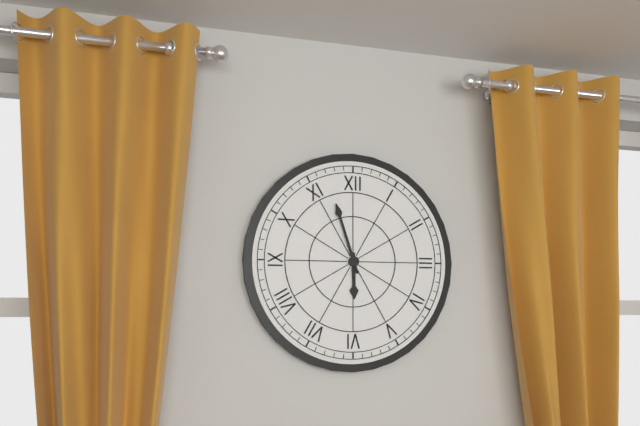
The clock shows **5:57**
